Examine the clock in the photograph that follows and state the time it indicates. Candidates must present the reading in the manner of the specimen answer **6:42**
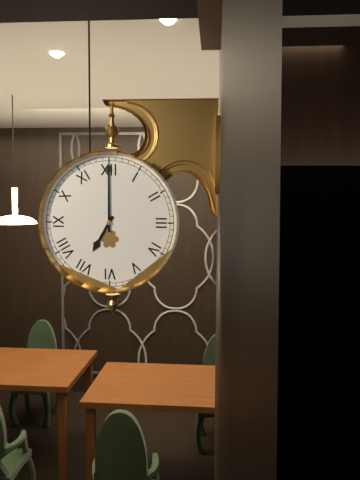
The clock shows **7:00**
